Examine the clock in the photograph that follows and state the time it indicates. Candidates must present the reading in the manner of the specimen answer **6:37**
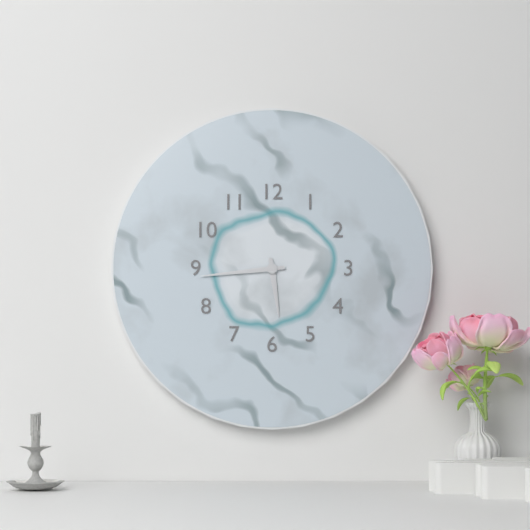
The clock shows **5:44**
